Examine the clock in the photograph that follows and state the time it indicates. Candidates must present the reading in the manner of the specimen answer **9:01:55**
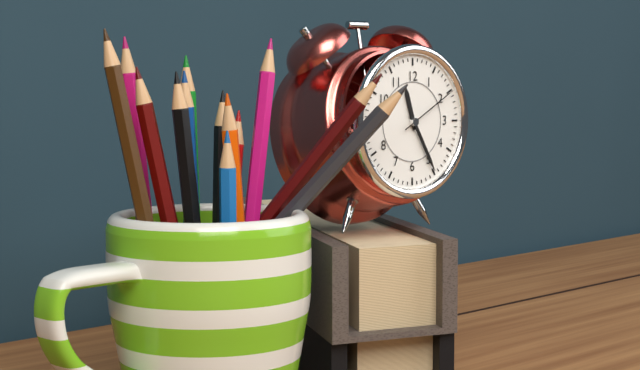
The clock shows **11:25:10**
